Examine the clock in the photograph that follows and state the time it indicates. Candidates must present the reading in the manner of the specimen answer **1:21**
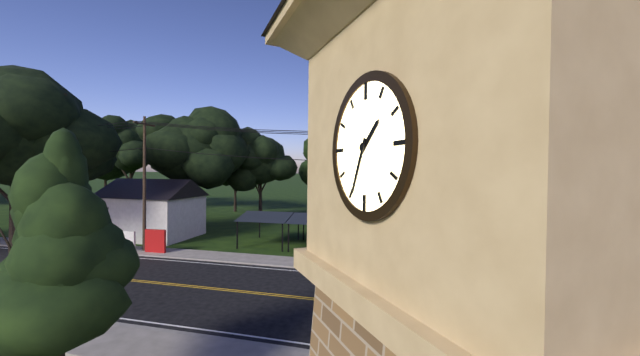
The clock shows **1:34**
